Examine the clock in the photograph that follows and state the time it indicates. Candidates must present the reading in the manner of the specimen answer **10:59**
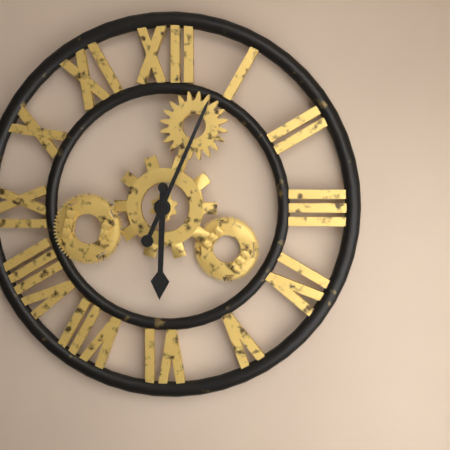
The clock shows **6:04**
